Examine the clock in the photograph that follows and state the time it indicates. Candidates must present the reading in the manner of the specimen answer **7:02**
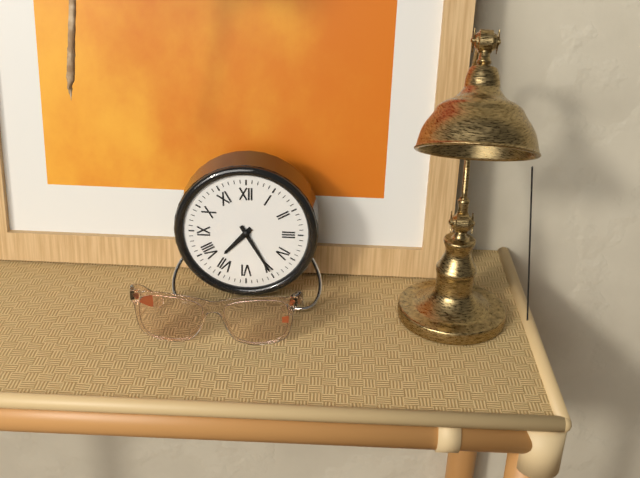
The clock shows **7:25**
